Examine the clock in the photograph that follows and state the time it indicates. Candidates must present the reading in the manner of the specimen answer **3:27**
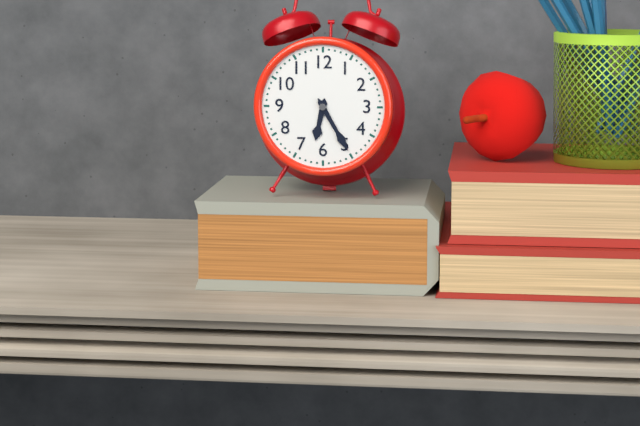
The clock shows **6:25**
